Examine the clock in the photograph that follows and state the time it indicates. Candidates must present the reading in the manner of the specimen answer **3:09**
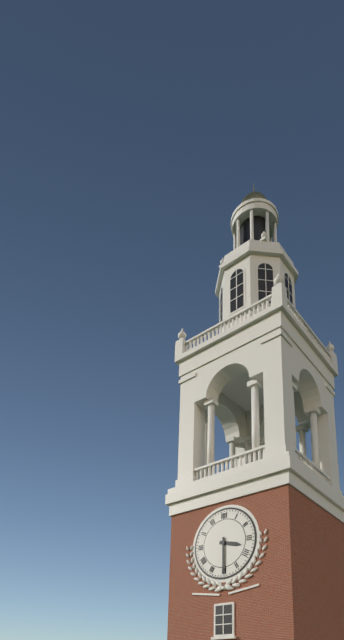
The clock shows **3:30**
